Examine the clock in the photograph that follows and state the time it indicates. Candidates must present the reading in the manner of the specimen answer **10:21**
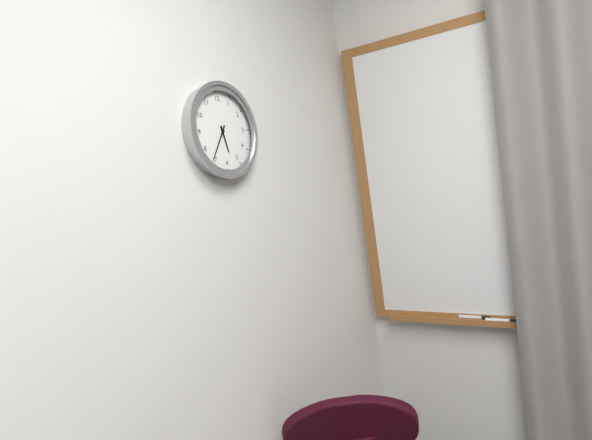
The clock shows **5:36**
